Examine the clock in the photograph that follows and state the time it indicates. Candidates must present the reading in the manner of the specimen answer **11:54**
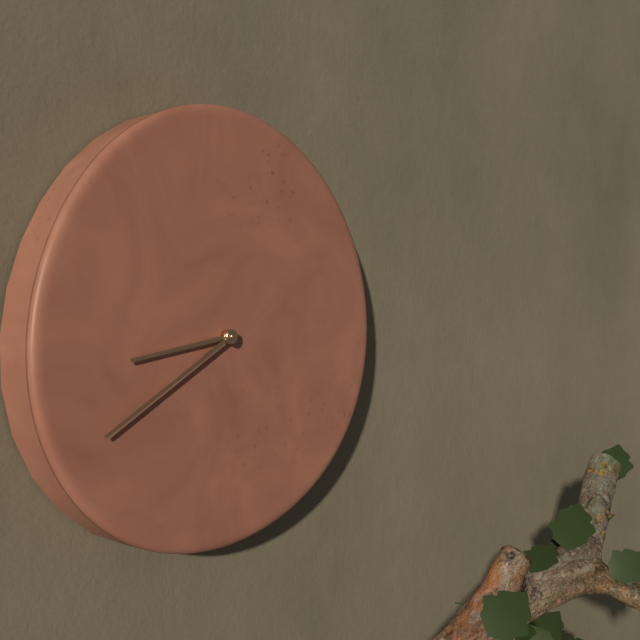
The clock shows **8:40**
